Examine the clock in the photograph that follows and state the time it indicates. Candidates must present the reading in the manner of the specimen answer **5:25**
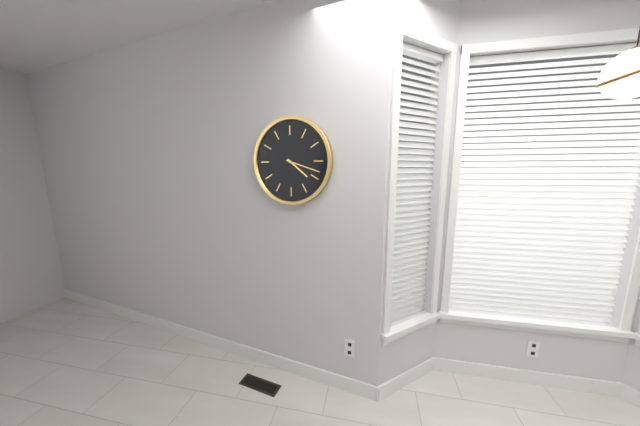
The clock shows **4:18**
